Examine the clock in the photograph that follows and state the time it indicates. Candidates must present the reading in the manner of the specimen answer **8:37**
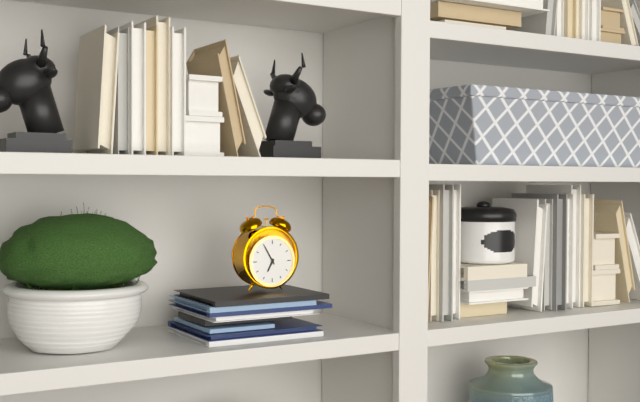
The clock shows **6:55**
